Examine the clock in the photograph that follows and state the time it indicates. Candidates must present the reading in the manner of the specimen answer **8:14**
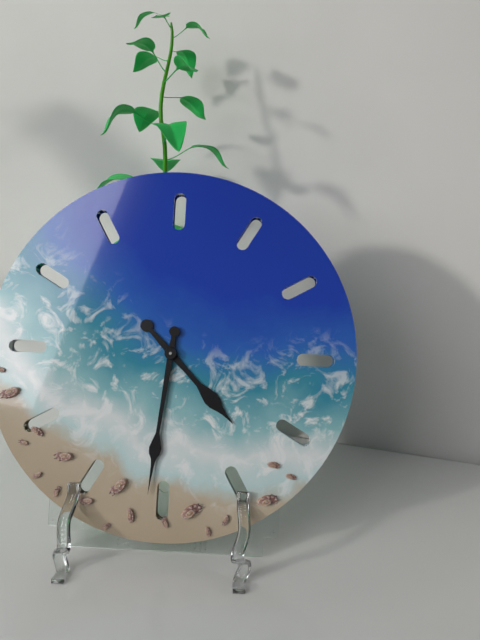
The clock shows **4:31**
